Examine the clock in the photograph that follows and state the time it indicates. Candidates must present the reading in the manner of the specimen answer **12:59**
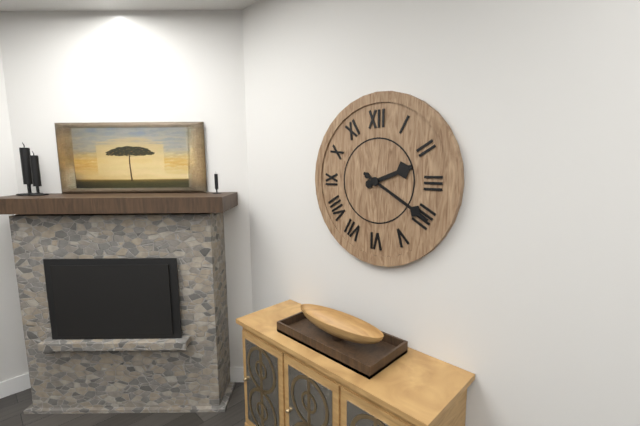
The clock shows **2:20**
